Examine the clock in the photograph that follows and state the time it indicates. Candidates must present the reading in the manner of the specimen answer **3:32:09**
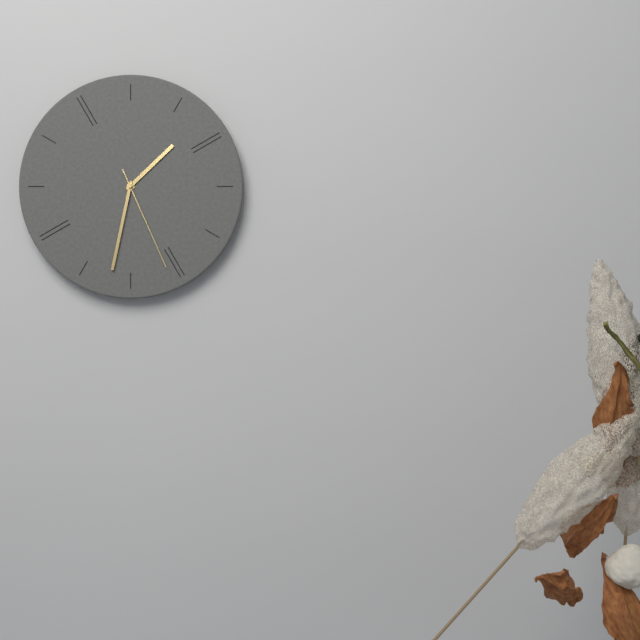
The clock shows **1:32:26**
